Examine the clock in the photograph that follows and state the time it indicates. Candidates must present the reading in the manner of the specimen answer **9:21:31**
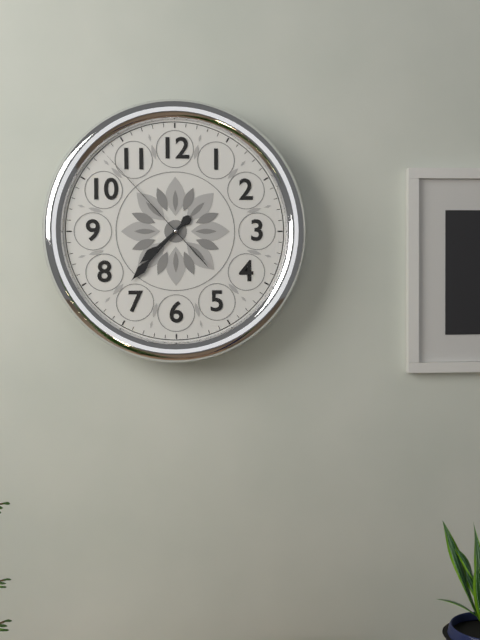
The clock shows **7:37:53**
